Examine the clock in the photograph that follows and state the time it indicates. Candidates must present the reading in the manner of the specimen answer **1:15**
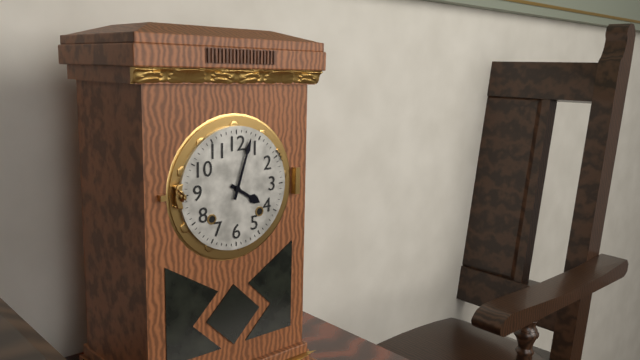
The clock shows **4:03**
